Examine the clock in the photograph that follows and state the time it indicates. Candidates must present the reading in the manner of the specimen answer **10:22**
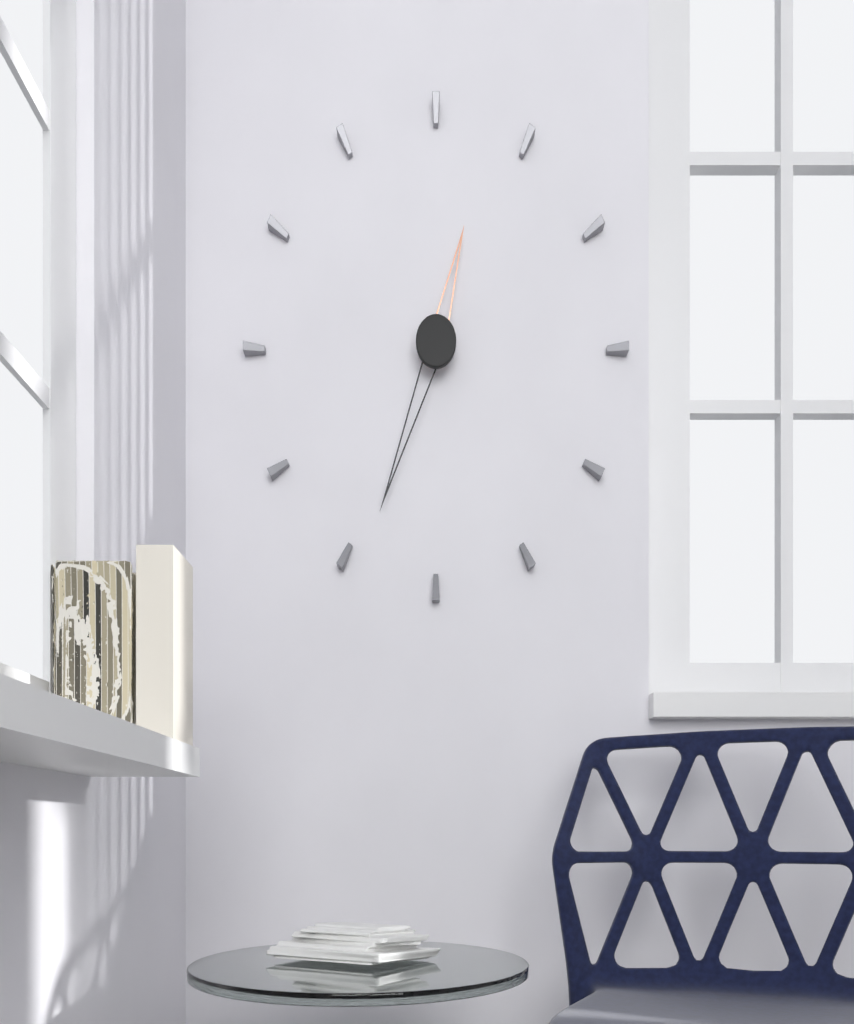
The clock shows **12:34**
